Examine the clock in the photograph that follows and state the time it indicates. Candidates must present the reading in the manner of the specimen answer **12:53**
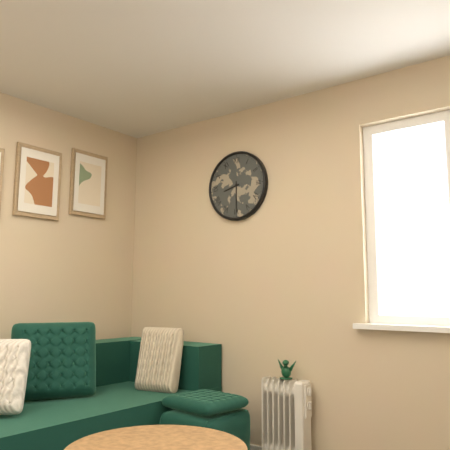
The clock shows **8:30**
